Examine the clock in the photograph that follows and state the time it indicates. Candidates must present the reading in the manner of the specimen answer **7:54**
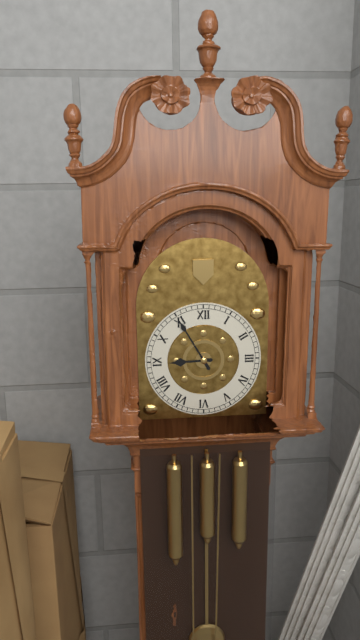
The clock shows **8:55**
